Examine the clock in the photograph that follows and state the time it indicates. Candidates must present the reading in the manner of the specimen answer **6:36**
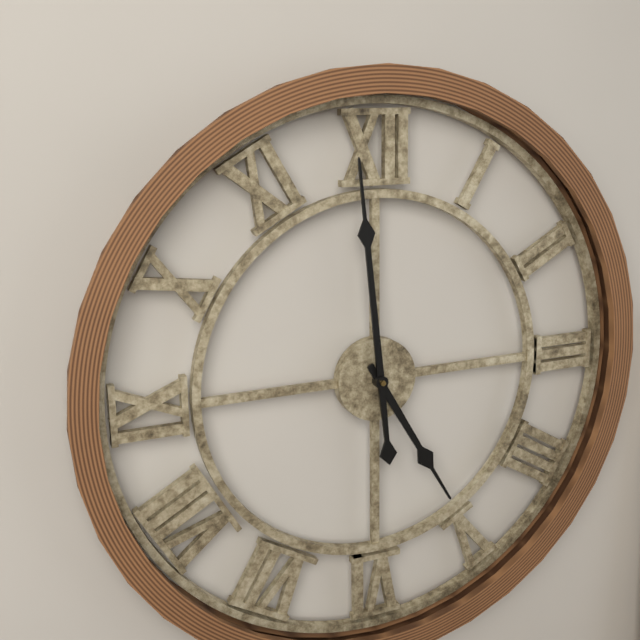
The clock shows **4:59**
